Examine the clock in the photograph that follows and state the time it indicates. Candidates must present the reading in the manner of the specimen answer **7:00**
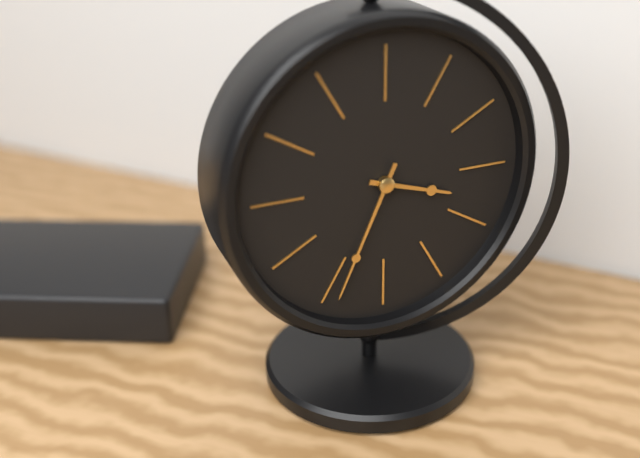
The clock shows **3:34**
